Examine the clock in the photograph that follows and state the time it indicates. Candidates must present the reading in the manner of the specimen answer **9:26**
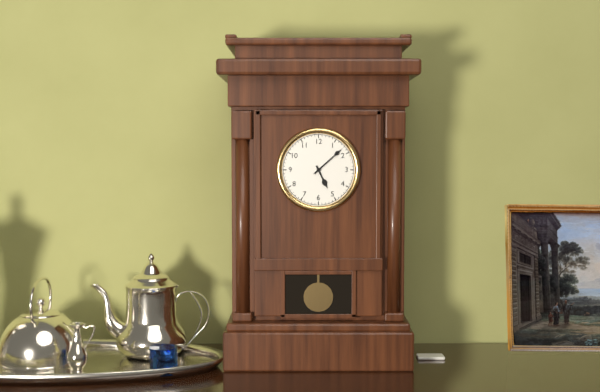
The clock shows **5:08**
